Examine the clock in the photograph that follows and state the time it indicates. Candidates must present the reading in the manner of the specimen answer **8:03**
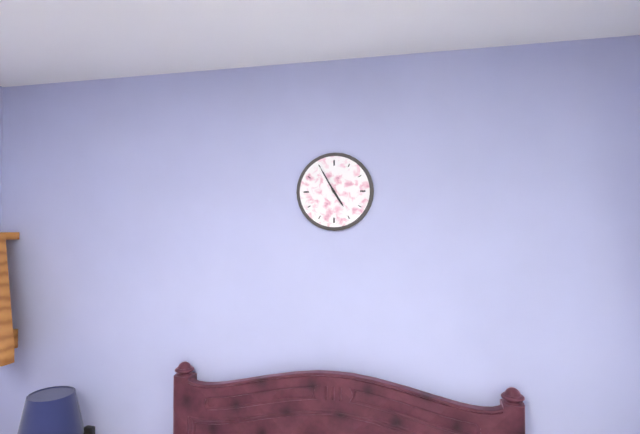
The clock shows **4:55**
